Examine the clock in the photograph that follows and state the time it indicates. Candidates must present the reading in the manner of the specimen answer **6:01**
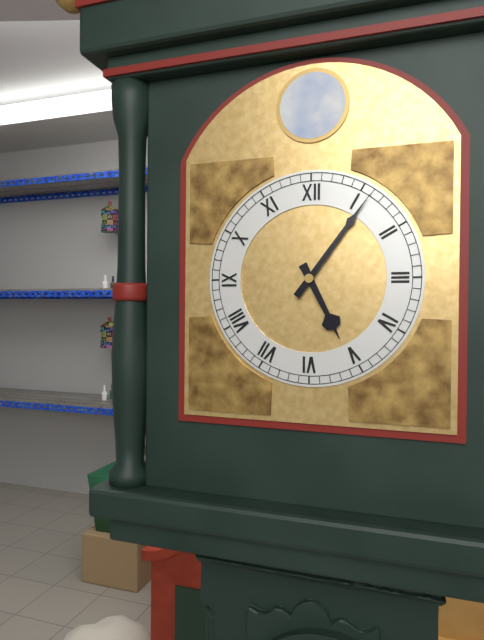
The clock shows **5:06**
